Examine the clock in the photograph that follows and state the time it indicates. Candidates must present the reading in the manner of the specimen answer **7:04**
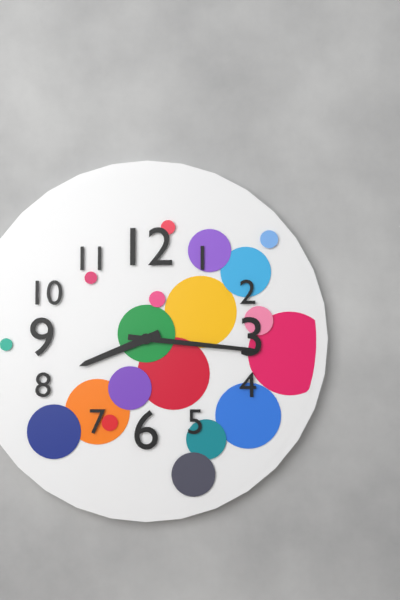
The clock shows **8:16**
